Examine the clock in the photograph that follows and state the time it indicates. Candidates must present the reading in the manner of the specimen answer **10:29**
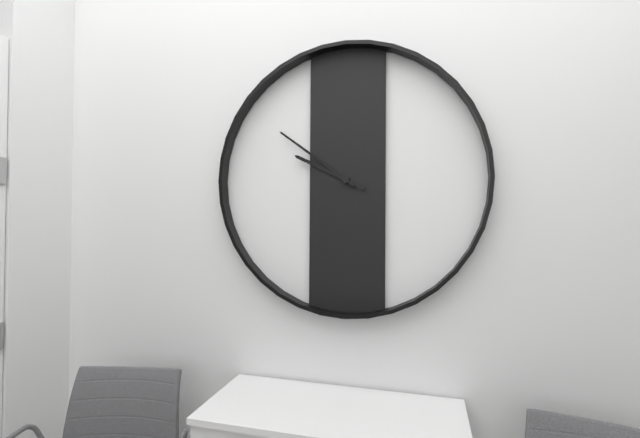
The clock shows **9:51**
